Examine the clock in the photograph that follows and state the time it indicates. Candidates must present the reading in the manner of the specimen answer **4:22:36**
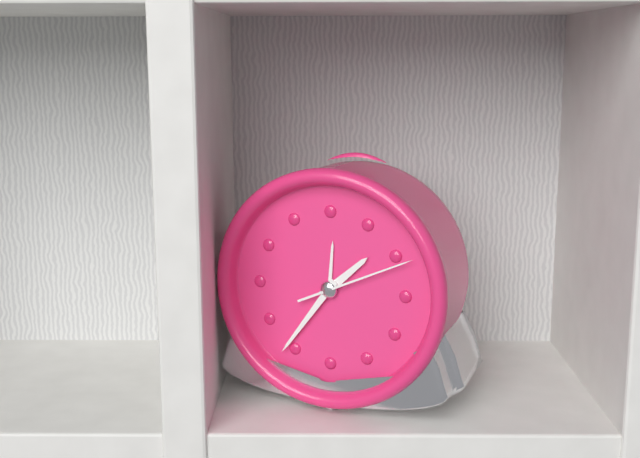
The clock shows **1:36:11**
